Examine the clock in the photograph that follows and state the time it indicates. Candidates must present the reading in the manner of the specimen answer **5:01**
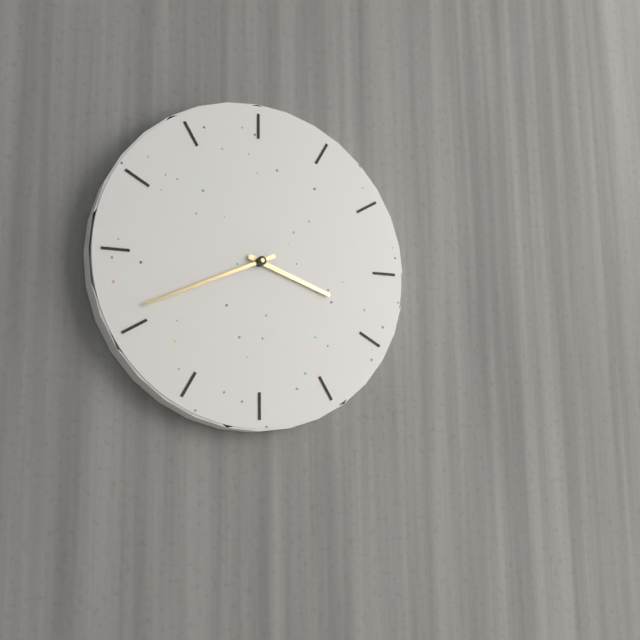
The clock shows **3:41**
